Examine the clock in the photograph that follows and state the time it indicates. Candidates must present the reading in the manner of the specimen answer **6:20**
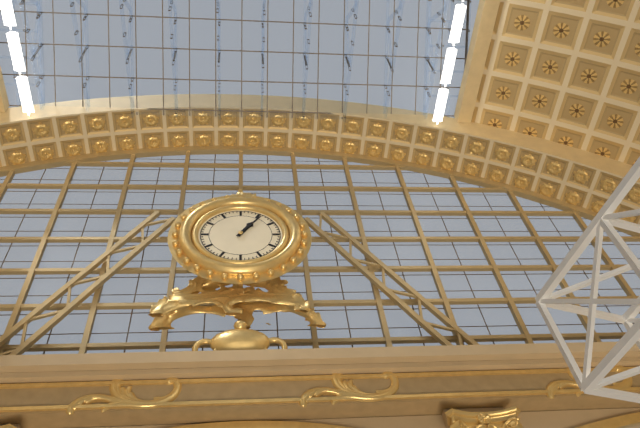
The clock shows **1:06**
